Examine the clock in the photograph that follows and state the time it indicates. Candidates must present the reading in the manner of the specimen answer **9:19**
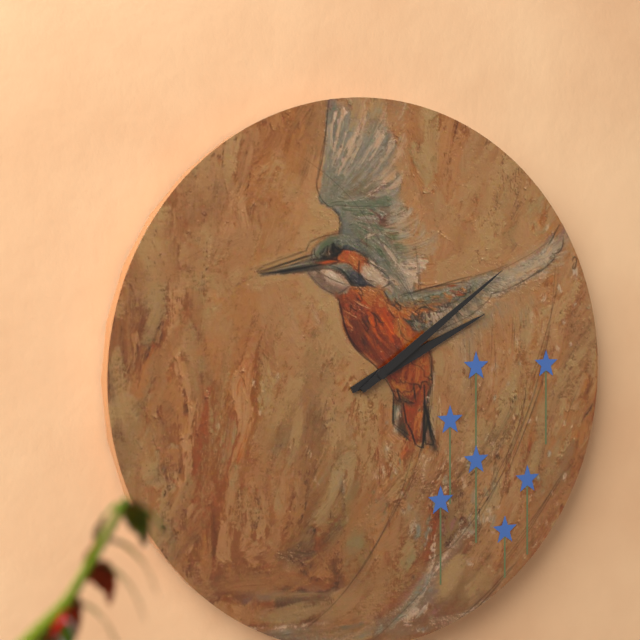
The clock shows **2:09**
